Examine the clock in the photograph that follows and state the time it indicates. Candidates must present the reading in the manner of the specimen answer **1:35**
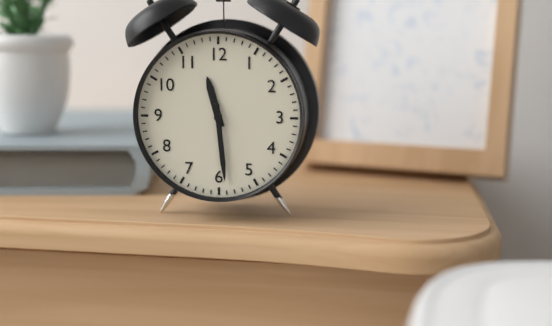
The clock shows **11:29**
